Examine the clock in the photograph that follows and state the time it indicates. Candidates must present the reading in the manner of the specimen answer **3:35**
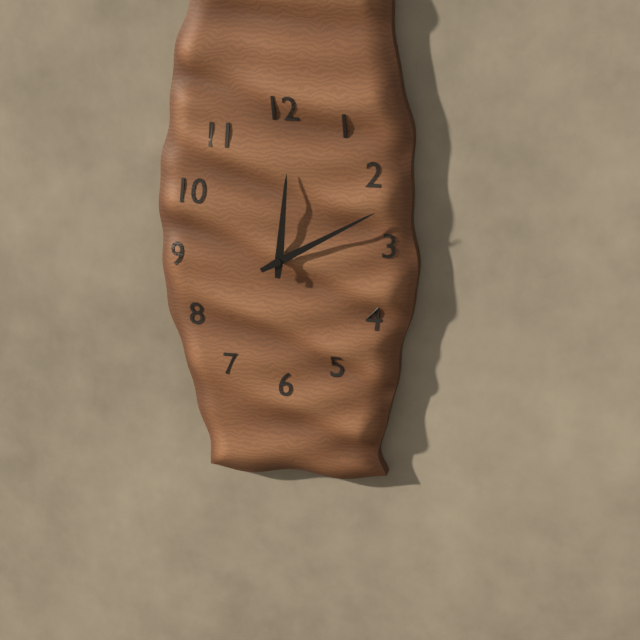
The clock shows **12:10**
